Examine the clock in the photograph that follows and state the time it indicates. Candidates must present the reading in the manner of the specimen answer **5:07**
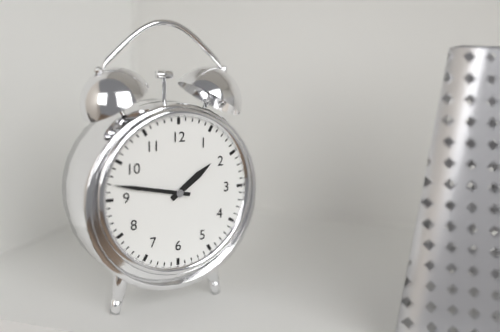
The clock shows **1:47**
